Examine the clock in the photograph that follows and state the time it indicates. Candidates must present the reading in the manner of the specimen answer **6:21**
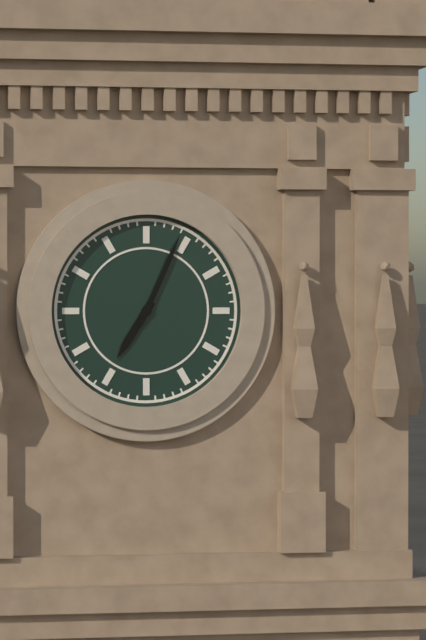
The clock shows **7:04**
